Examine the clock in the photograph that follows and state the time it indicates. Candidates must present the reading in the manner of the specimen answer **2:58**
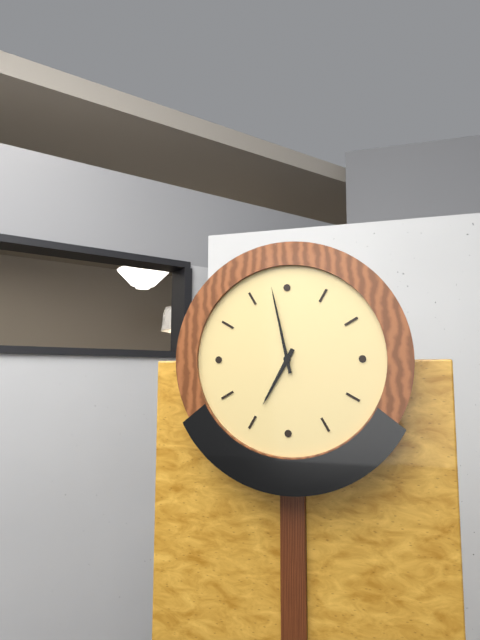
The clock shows **6:58**
